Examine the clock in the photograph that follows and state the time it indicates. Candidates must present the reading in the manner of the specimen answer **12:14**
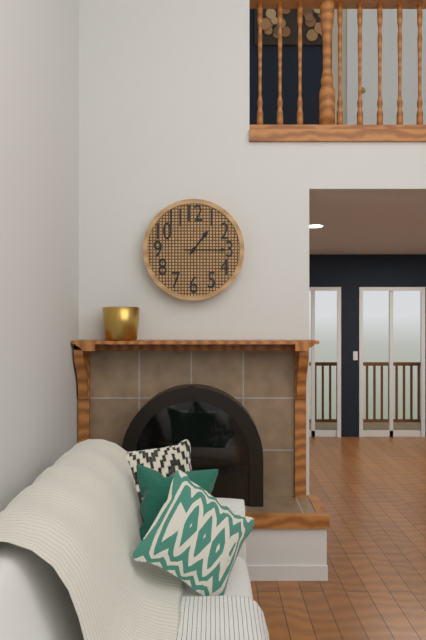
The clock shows **1:15**
